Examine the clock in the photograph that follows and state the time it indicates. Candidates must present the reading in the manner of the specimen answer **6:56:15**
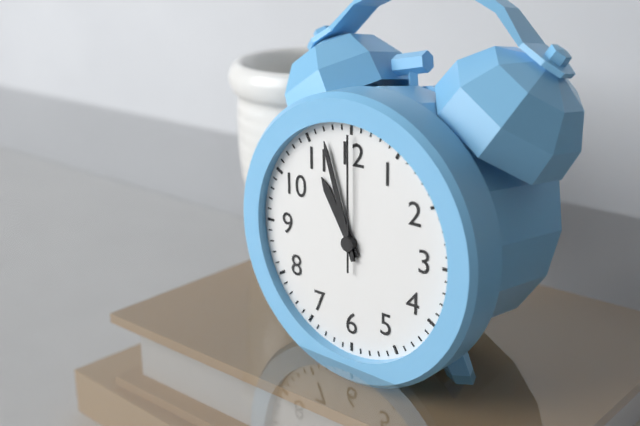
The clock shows **10:57:00**
